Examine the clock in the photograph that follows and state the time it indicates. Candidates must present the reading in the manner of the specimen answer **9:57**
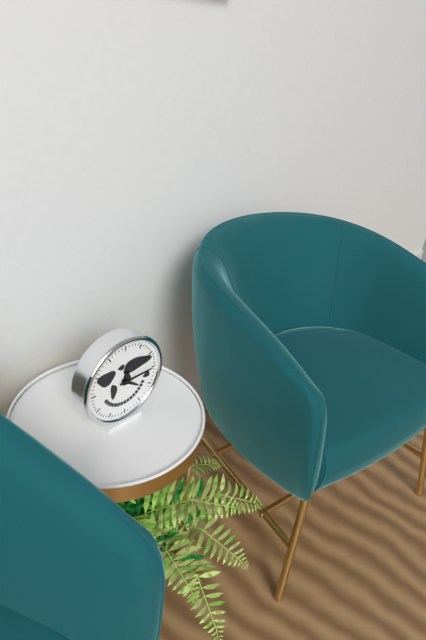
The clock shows **4:15**
